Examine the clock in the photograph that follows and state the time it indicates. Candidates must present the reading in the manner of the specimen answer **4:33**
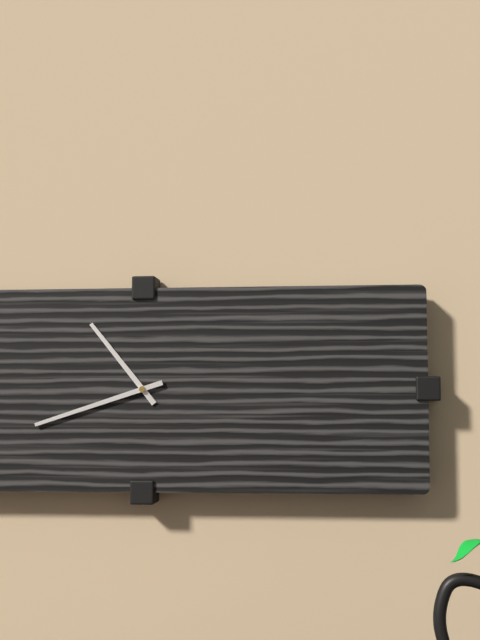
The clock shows **10:42**
